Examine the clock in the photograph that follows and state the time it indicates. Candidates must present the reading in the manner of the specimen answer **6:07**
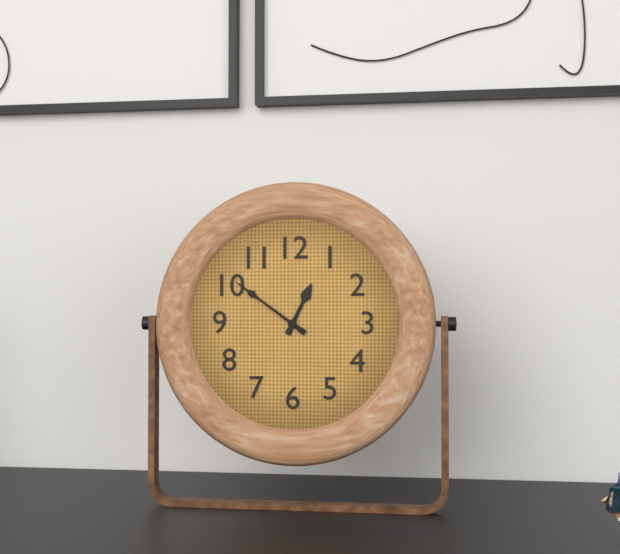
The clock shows **12:51**
